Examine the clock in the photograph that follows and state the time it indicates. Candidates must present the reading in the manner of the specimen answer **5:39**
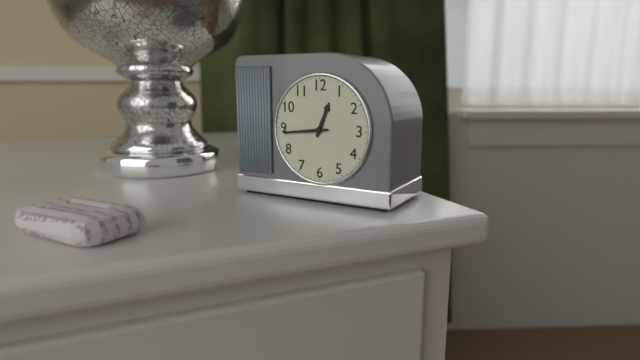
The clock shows **12:44**
